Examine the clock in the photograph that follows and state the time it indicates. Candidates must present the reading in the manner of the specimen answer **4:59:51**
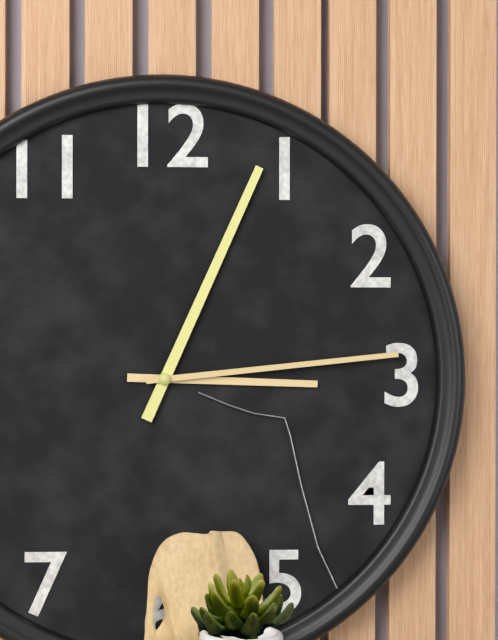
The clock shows **3:04:14**
